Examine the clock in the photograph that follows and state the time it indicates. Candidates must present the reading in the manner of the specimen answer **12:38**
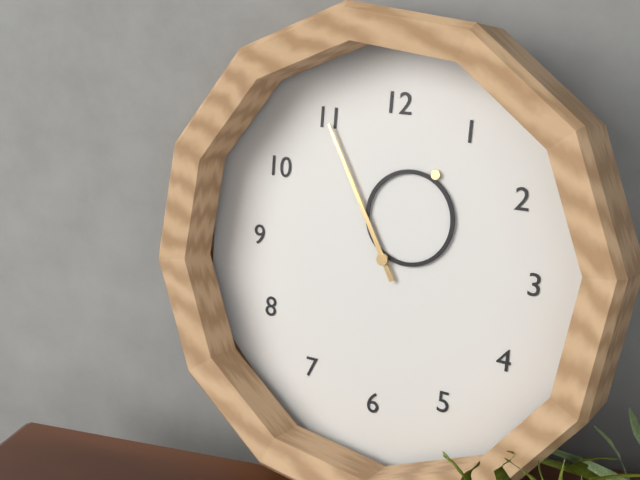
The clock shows **12:55**
